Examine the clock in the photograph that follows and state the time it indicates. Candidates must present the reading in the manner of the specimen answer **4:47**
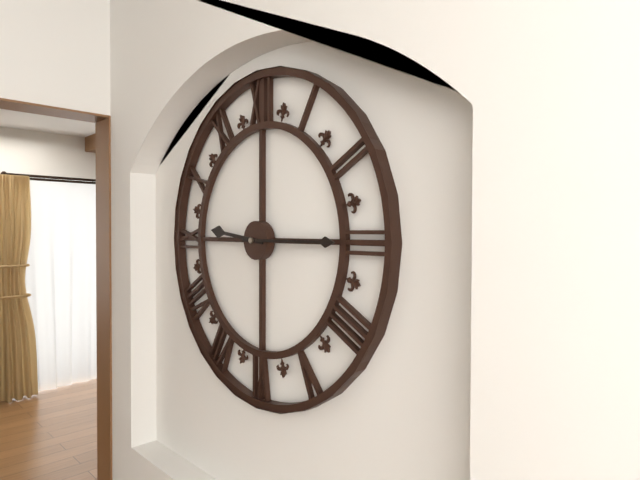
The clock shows **9:15**
